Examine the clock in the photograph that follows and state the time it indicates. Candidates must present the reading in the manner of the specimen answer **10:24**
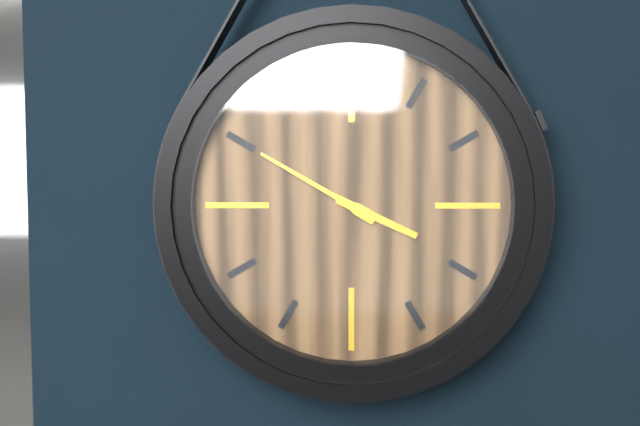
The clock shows **3:50**
